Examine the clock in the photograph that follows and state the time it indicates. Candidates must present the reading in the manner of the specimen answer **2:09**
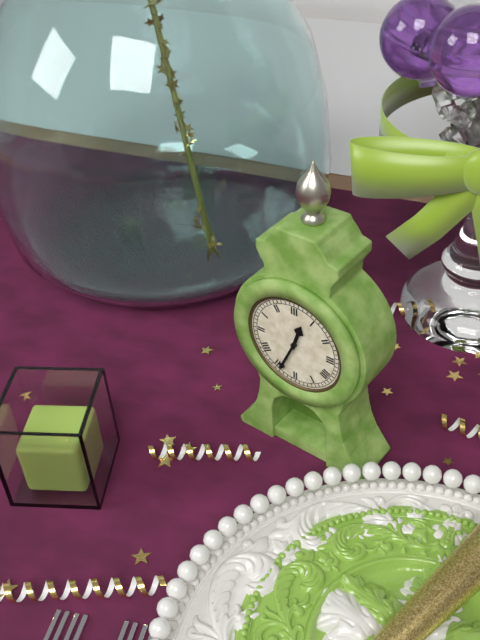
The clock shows **12:34**
